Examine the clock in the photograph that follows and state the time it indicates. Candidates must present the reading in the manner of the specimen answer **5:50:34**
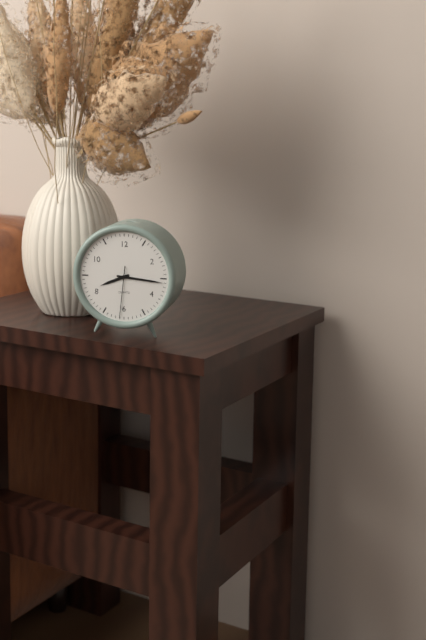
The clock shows **8:16:31**
